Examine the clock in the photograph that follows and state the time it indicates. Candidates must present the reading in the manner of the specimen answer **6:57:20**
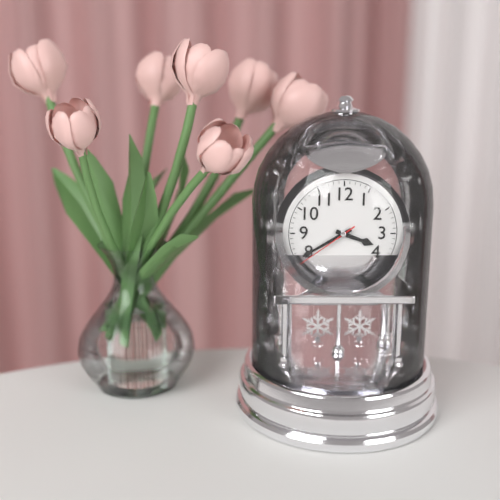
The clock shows **3:40:39**
